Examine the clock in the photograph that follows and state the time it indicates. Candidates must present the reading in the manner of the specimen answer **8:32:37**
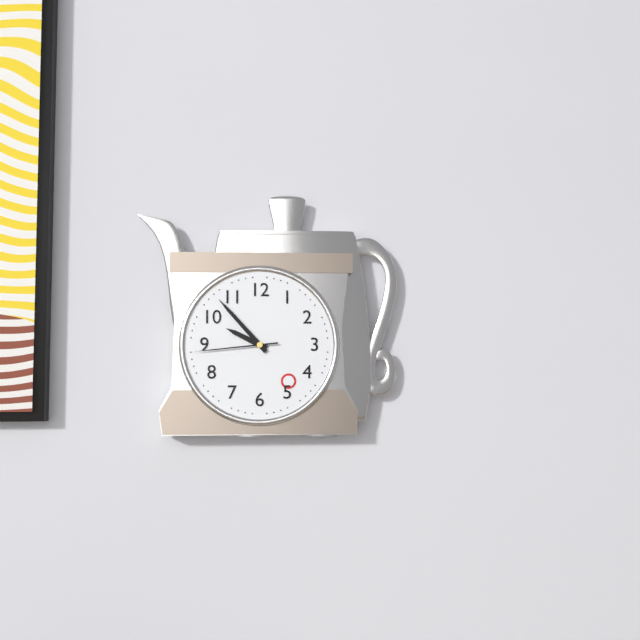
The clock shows **9:53:44**
